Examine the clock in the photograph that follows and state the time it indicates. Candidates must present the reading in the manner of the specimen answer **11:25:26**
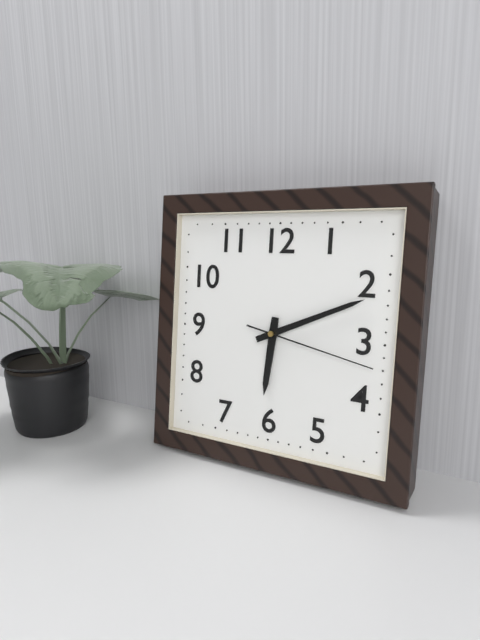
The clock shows **6:11:17**
